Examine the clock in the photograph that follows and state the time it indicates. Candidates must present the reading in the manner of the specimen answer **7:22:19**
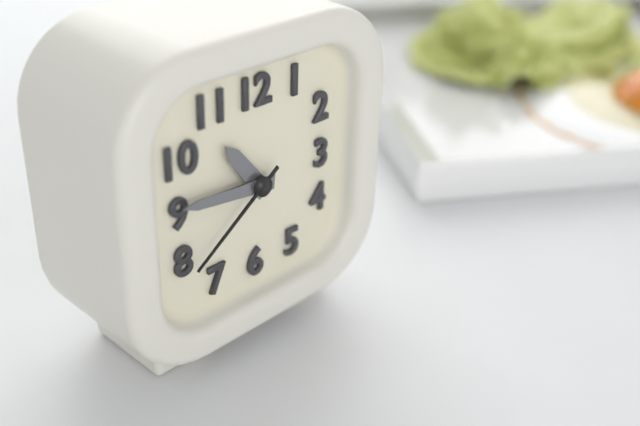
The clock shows **10:46:39**
